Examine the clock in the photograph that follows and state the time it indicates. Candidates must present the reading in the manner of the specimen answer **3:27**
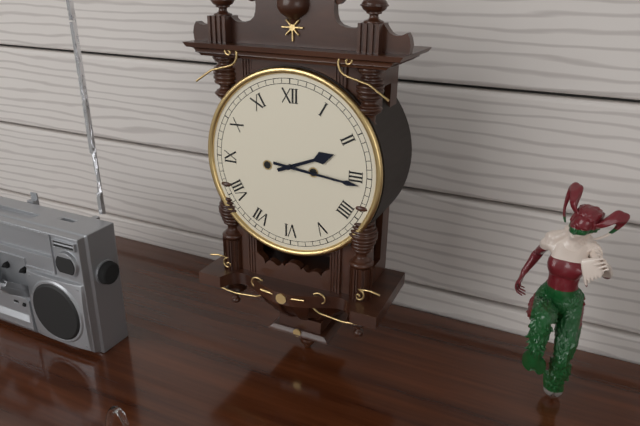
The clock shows **2:16**
